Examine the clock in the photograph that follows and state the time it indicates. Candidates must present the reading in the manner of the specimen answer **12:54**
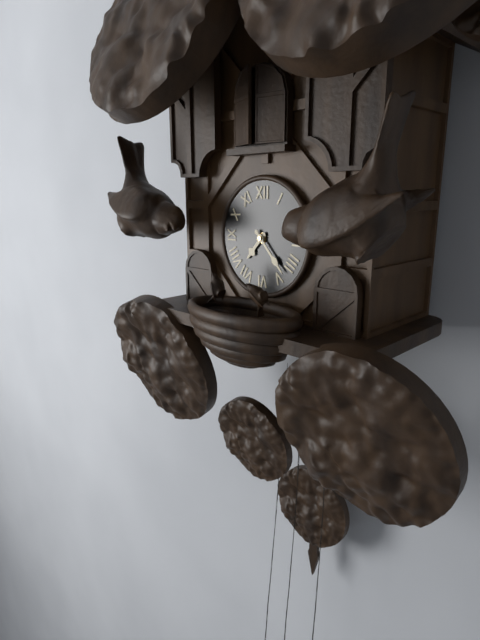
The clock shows **7:23**
